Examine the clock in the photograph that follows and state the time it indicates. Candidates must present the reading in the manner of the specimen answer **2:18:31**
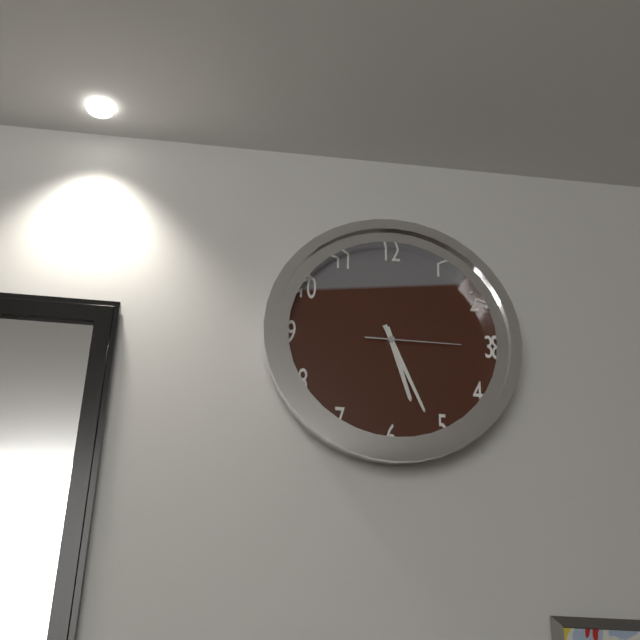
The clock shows **5:26:15**
